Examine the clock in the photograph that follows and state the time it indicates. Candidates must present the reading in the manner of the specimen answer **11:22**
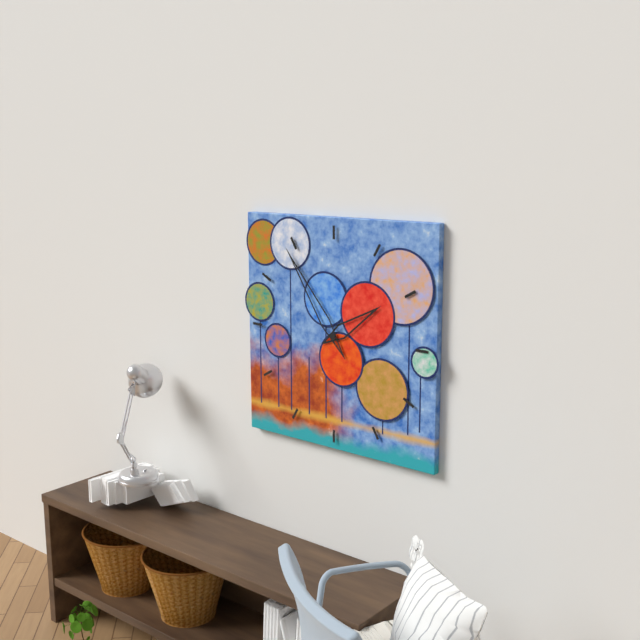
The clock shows **1:54**
